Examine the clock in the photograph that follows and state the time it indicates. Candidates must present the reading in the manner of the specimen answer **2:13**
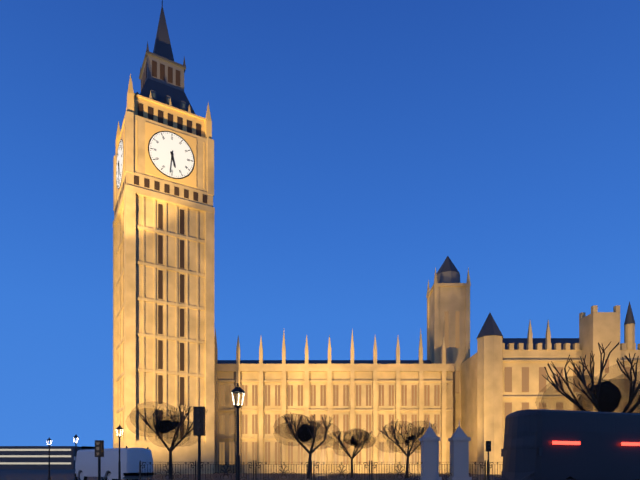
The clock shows **5:31**
